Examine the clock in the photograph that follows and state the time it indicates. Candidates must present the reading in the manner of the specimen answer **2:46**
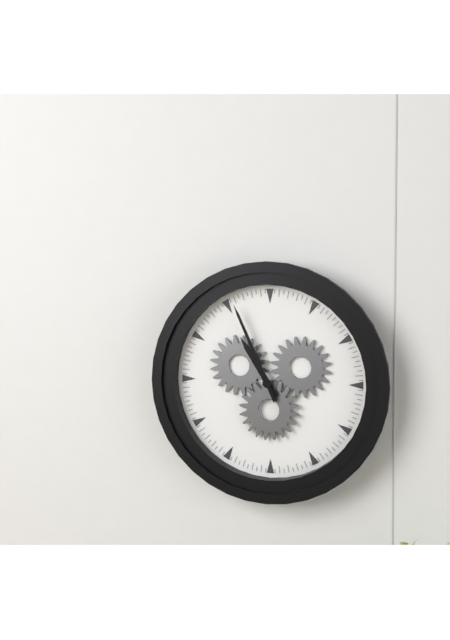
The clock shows **10:56**
